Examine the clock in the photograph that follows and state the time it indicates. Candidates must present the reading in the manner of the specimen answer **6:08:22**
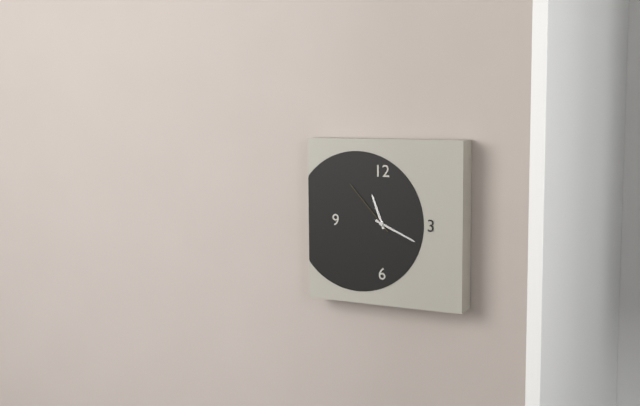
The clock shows **11:19:53**
